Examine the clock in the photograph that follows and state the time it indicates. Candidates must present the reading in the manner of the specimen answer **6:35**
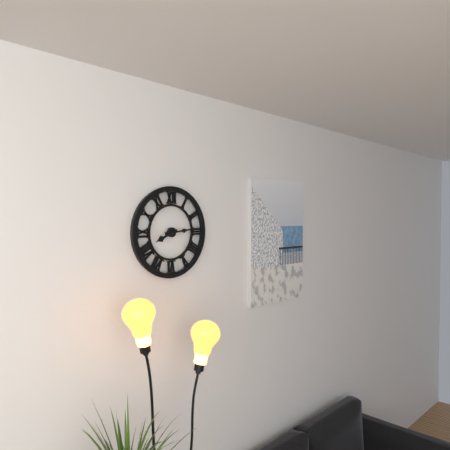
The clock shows **8:14**
